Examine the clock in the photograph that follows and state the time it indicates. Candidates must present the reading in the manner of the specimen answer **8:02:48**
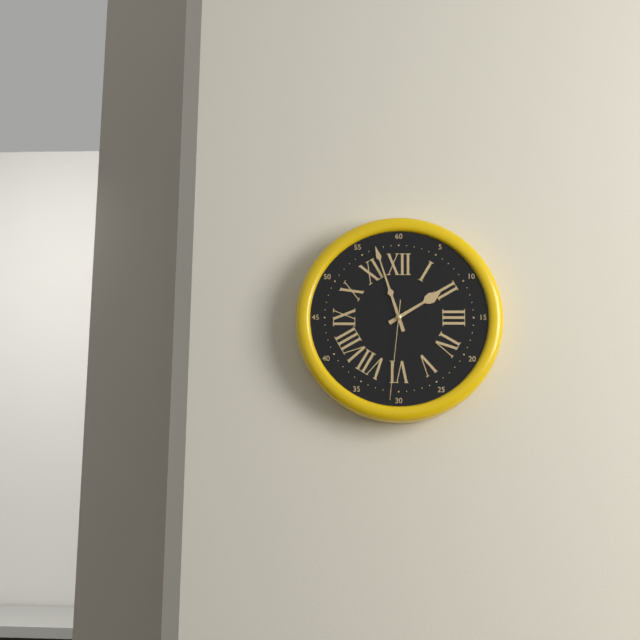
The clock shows **1:57:31**
